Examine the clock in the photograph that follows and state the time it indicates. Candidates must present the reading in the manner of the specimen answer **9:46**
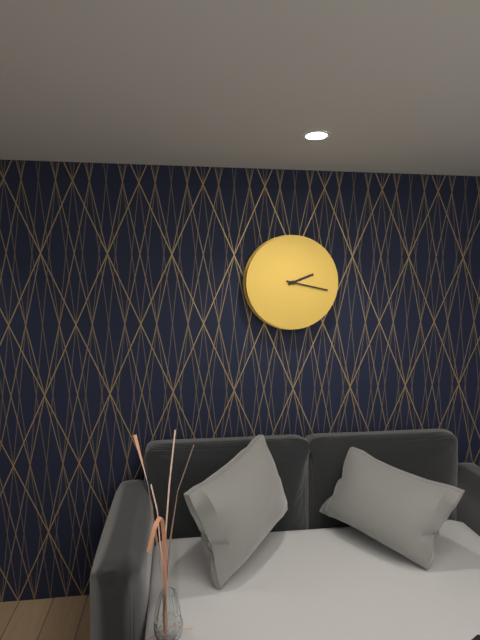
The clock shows **2:17**
